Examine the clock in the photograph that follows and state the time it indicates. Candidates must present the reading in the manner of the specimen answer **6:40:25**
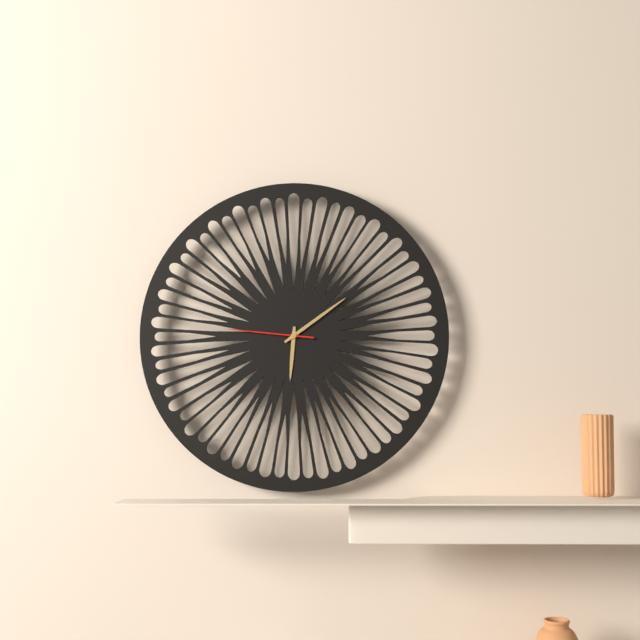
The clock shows **6:09:46**
